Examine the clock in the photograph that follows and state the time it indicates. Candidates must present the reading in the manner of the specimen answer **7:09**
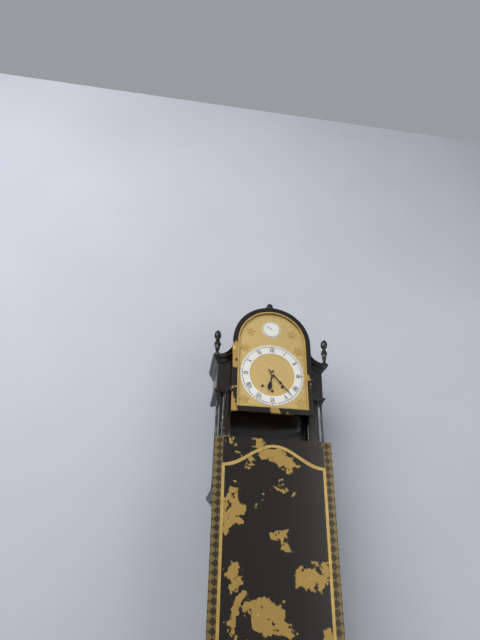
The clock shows **6:23**
